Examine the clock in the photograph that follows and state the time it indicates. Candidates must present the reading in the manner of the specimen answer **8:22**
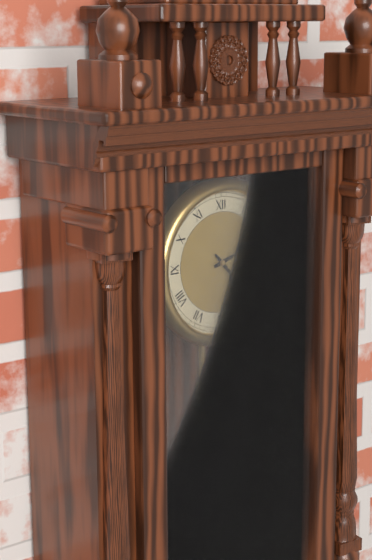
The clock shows **2:23**
